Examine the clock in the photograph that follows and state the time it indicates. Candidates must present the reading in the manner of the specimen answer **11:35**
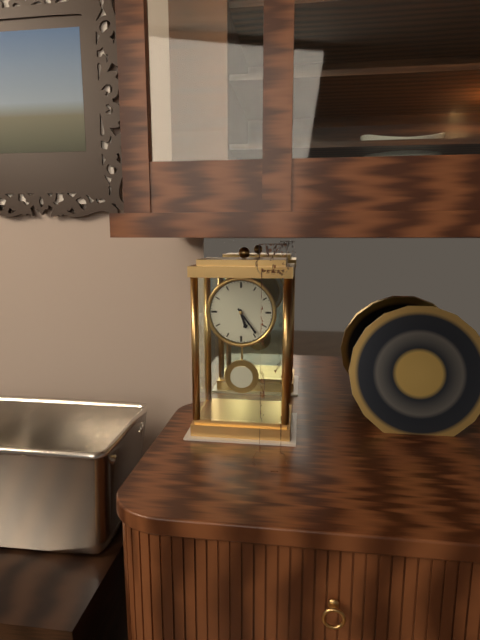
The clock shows **5:24**
